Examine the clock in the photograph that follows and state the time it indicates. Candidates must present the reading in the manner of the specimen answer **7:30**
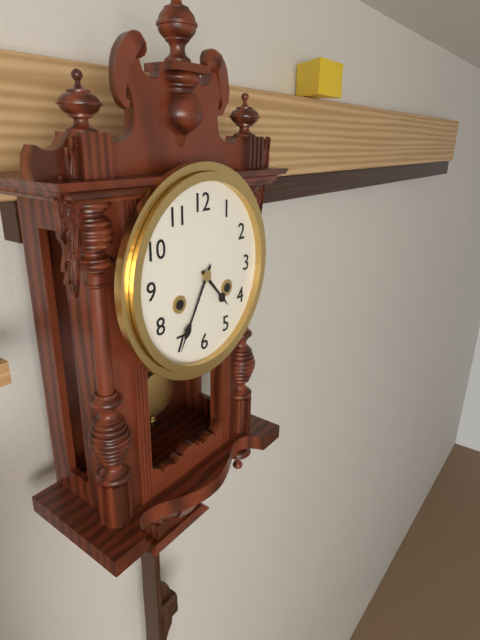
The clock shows **4:35**
